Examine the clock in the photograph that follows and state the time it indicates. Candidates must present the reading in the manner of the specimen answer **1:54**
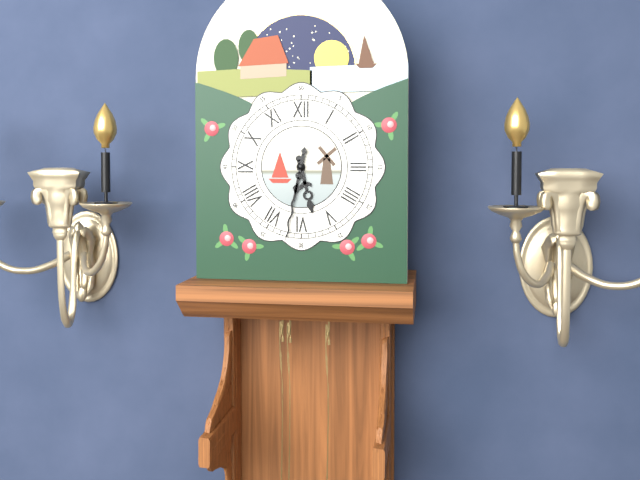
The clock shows **5:32**
